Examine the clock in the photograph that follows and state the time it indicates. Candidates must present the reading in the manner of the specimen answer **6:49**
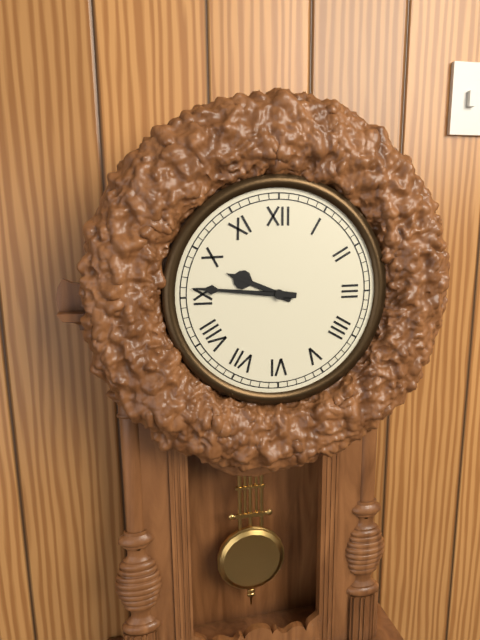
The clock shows **9:46**
